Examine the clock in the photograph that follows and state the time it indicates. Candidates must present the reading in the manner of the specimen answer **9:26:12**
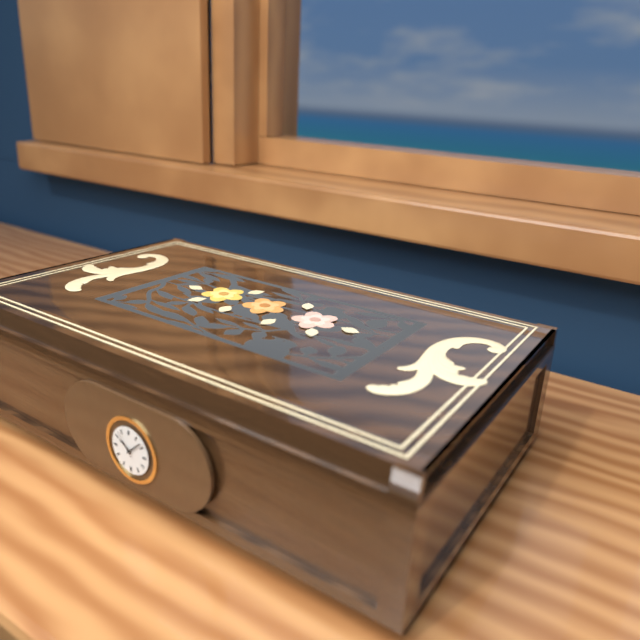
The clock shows **10:08:54**
